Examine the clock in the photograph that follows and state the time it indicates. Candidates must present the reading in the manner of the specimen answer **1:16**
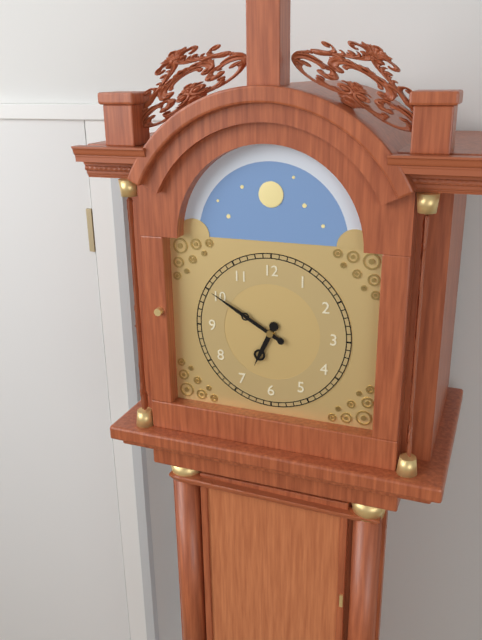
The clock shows **6:50**
